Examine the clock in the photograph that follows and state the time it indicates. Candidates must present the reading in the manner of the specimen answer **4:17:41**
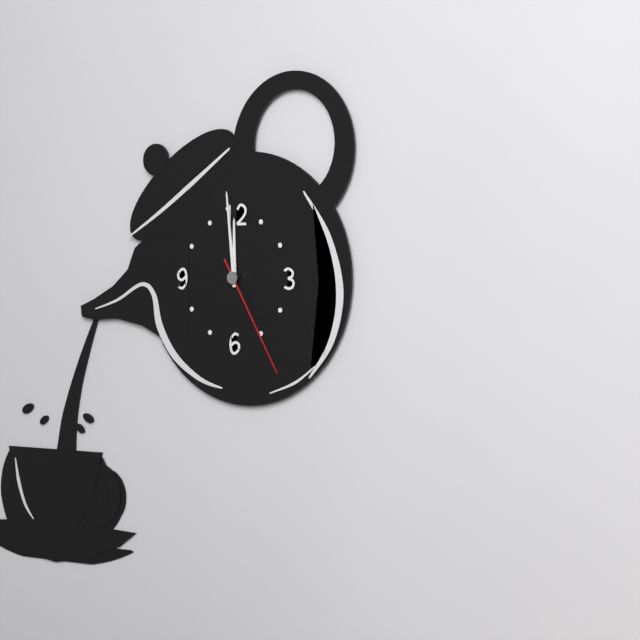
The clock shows **11:59:25**
